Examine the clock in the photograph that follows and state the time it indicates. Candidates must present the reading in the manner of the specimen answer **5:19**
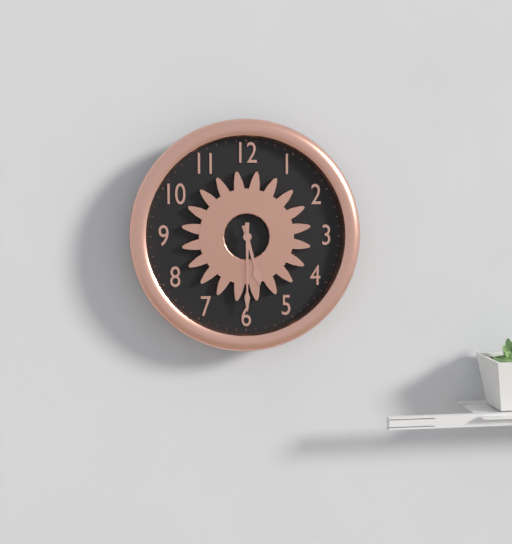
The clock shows **5:30**
